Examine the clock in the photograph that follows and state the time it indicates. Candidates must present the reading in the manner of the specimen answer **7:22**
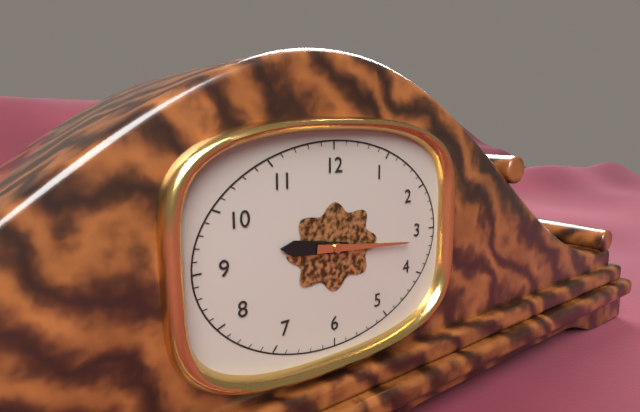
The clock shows **9:16**
